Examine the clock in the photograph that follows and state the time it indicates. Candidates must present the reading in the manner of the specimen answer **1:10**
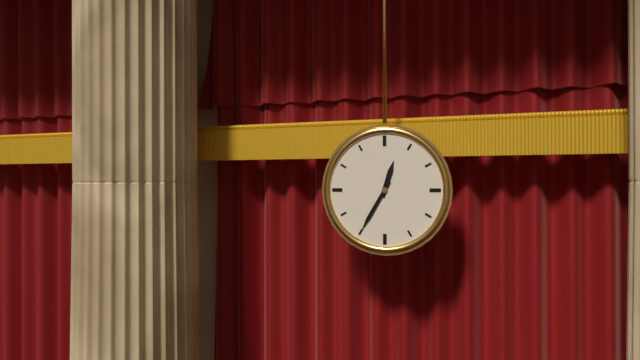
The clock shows **12:35**
